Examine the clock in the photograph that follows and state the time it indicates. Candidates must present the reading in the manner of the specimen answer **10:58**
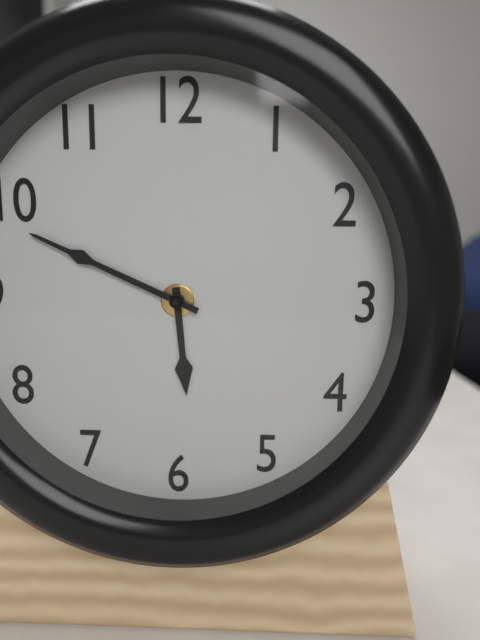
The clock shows **5:49**
